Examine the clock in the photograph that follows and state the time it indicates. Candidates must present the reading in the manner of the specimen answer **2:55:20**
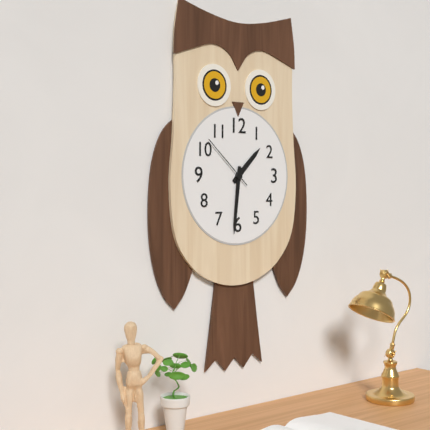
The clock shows **1:31:52**
